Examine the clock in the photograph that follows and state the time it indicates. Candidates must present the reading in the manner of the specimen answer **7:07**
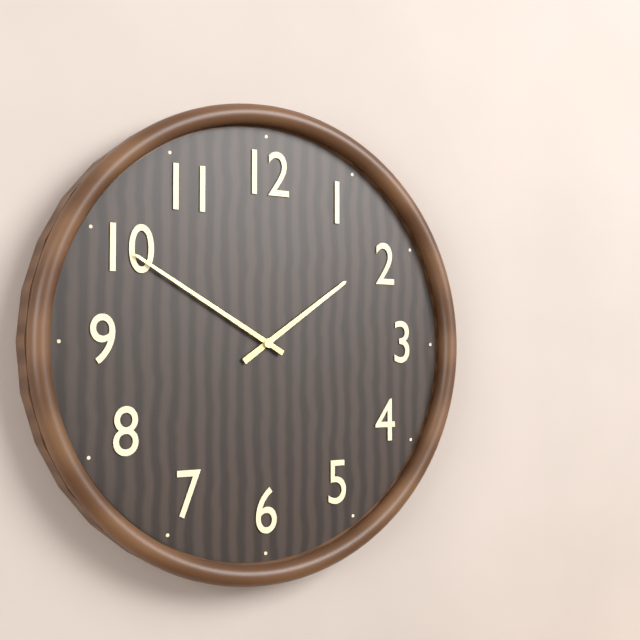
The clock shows **1:50**
